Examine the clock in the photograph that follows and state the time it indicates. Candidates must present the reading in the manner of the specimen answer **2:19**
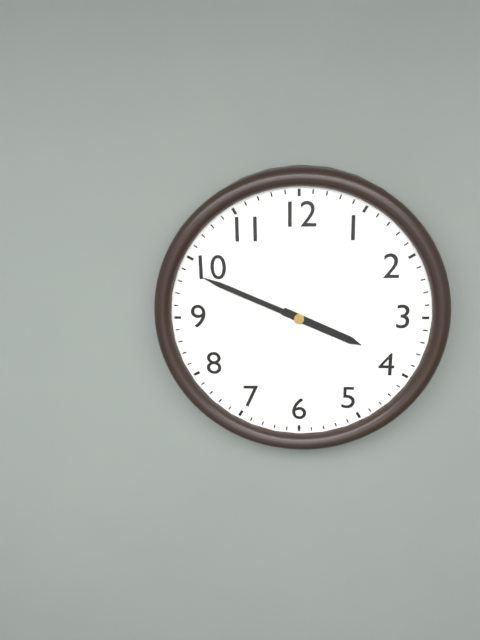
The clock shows **3:49**
